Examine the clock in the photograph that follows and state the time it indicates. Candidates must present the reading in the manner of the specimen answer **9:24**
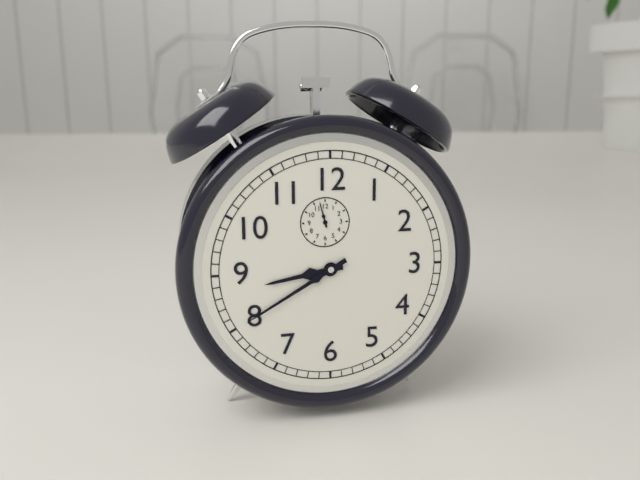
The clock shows **8:40**
